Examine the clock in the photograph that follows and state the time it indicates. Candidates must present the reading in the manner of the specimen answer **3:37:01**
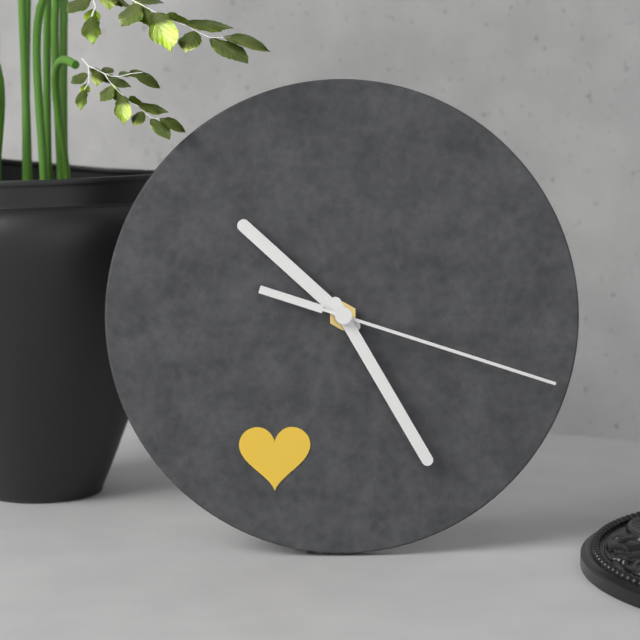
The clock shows **10:25:18**
